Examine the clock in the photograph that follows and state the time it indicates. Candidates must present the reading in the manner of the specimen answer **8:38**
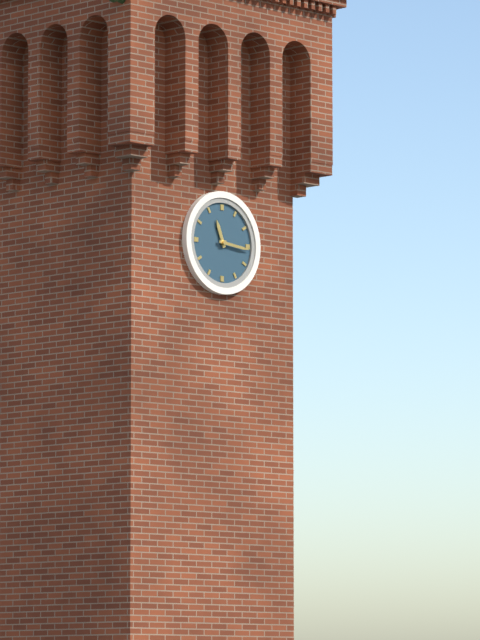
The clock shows **11:16**
